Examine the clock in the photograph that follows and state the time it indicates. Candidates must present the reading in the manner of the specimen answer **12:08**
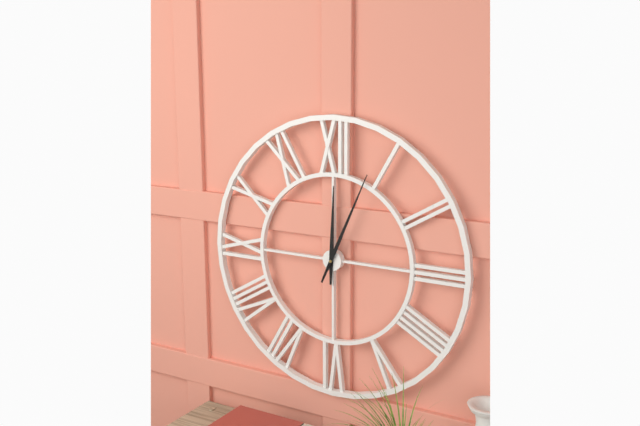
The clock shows **12:04**
